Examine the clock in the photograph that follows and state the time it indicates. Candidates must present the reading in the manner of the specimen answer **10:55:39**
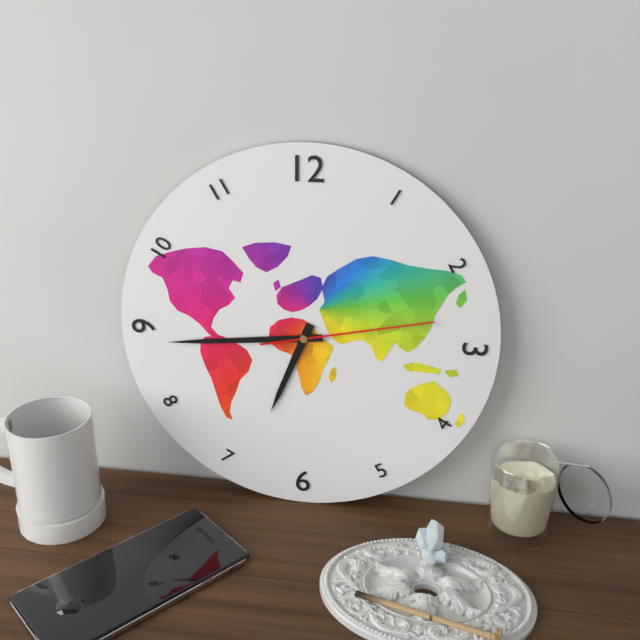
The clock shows **6:44:13**
